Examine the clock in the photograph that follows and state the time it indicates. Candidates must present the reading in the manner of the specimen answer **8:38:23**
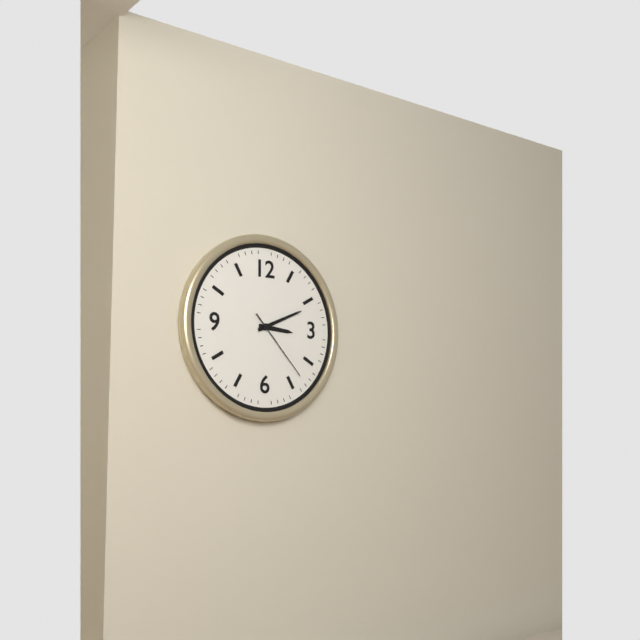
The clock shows **3:11:23**
